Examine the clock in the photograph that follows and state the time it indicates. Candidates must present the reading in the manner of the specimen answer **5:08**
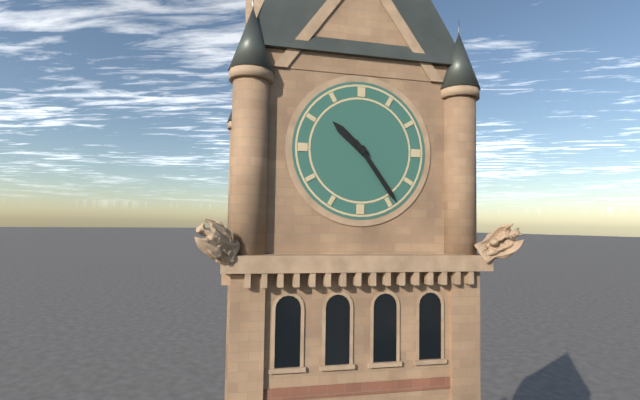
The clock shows **10:24**
